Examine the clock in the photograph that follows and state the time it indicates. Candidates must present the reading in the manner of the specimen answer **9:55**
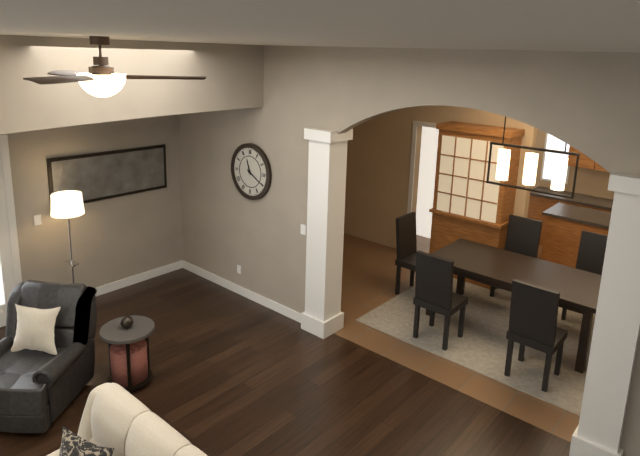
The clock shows **11:20**
